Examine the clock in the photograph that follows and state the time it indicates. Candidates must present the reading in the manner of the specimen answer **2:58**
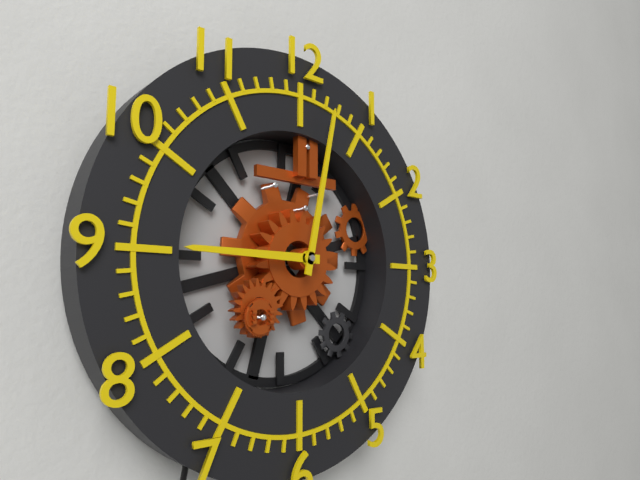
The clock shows **9:02**
